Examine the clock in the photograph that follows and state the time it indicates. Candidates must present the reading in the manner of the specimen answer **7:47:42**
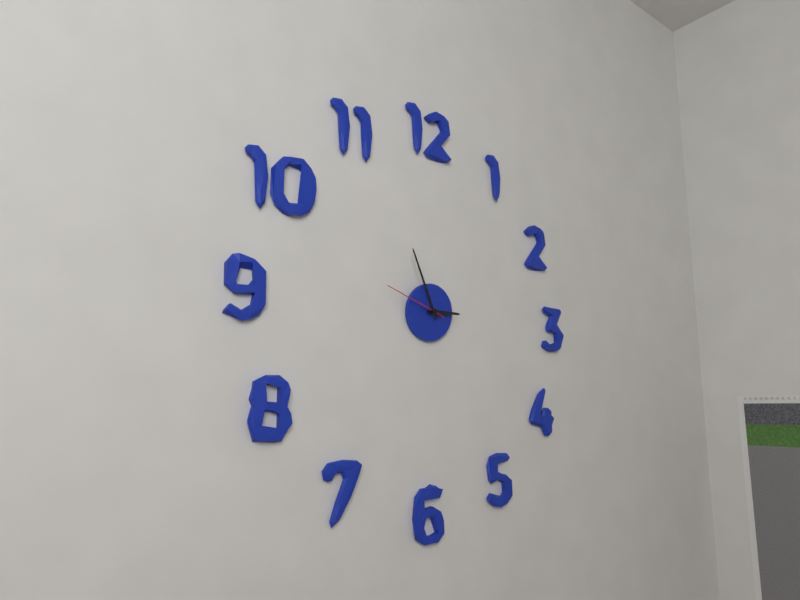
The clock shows **2:56:48**
